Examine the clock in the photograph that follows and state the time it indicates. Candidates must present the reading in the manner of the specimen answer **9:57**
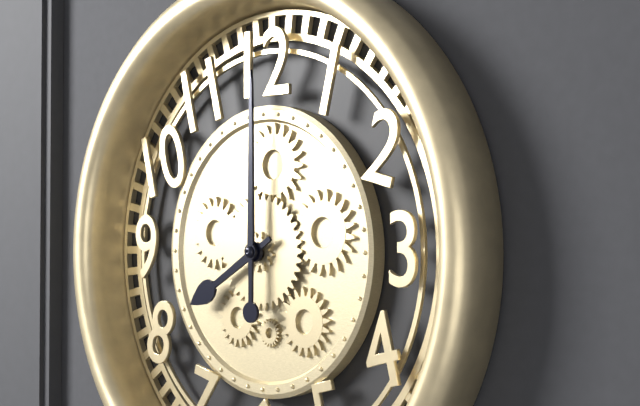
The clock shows **8:00**
